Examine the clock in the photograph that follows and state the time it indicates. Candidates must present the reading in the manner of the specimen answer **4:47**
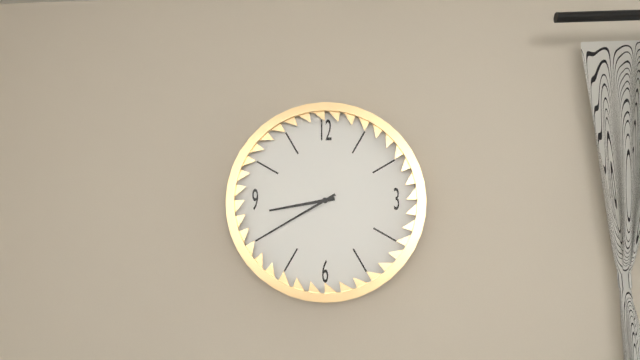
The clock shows **8:40**
